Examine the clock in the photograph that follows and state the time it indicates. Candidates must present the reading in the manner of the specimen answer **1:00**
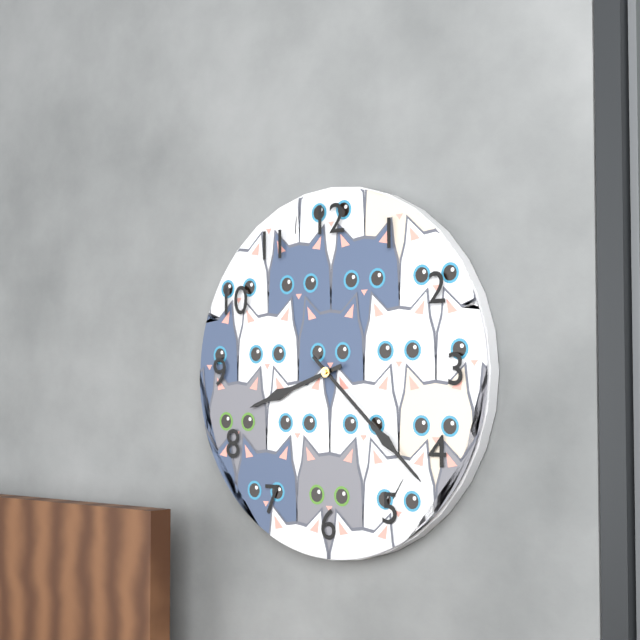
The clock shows **8:22**
